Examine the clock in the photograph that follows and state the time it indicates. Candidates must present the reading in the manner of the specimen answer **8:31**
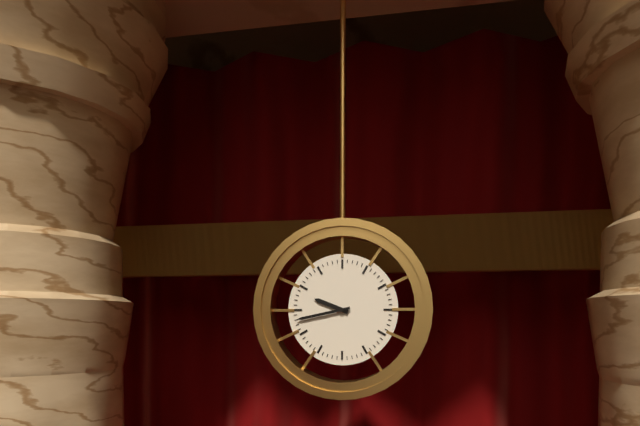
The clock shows **9:43**
